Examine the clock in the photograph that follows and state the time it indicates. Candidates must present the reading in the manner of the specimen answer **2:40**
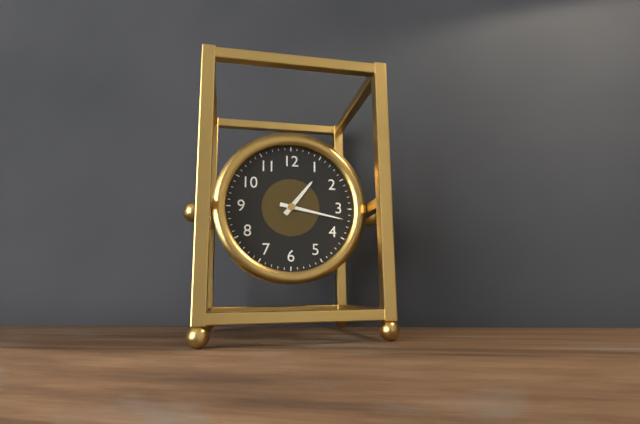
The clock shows **1:17**
